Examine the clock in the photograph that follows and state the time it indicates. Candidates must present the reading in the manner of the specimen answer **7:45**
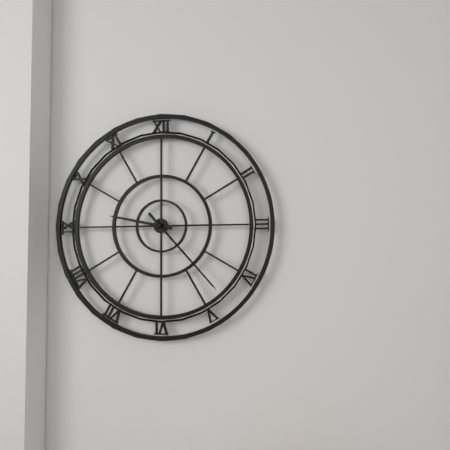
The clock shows **9:23**
